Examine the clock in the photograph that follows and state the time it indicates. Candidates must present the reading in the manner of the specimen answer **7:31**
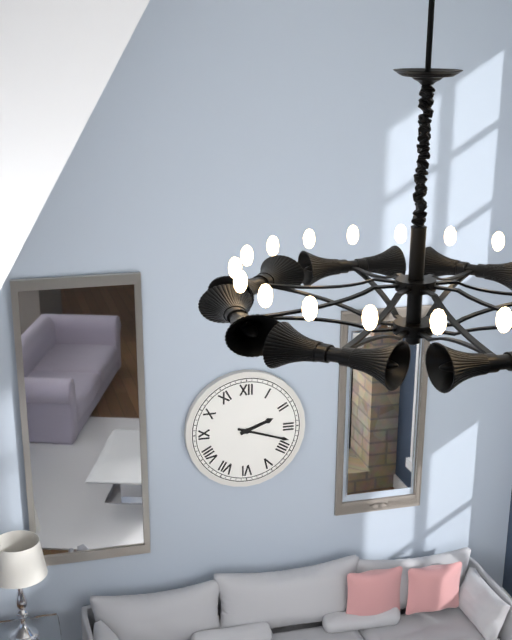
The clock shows **2:18**
